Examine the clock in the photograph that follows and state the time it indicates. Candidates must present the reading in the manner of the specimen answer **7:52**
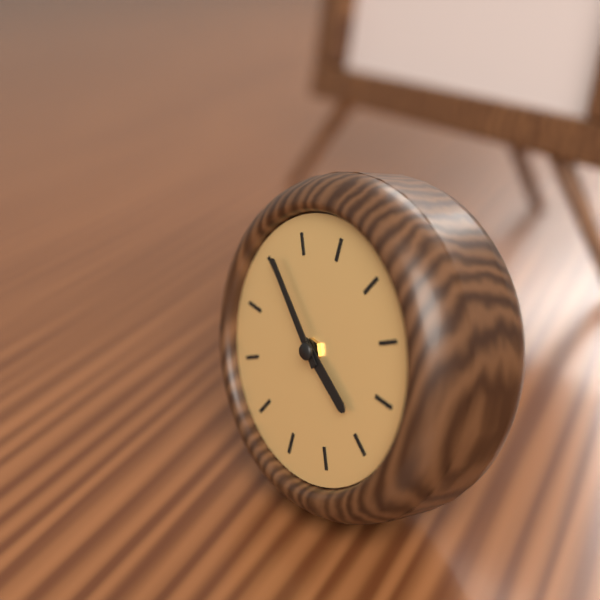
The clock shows **3:51**
